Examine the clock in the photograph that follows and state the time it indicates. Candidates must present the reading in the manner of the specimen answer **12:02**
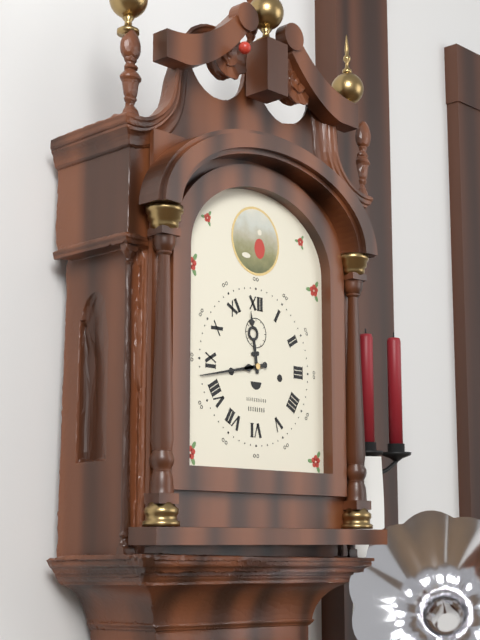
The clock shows **11:43**
